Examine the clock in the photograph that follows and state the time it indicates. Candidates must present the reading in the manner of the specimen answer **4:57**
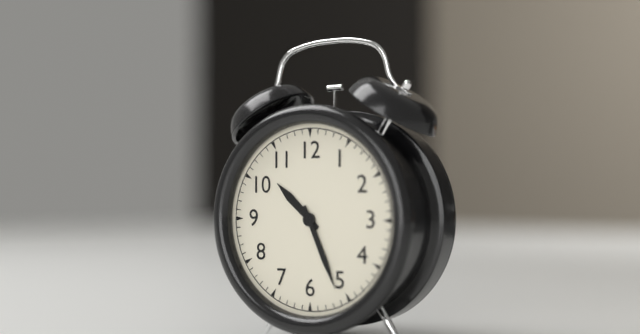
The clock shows **10:26**
